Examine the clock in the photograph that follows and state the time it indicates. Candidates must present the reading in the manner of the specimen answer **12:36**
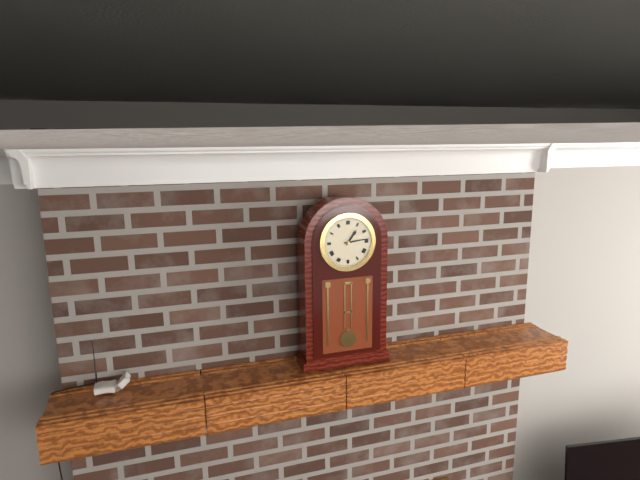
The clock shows **1:14**
